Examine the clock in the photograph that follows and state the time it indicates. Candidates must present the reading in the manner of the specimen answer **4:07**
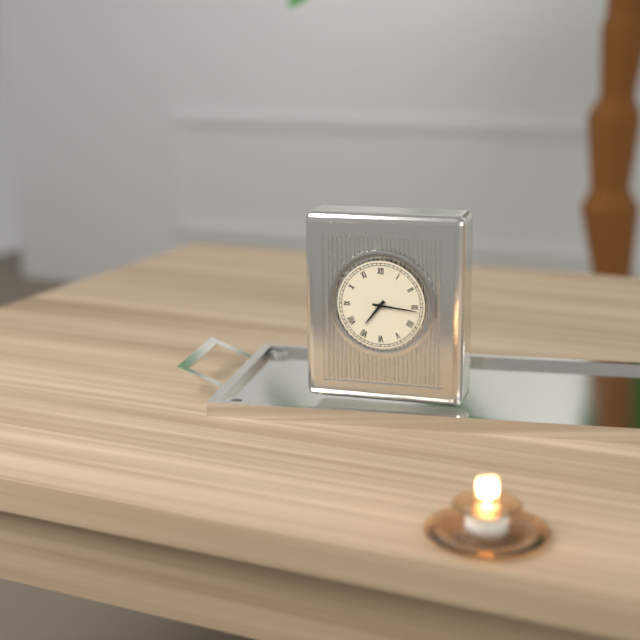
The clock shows **7:16**
